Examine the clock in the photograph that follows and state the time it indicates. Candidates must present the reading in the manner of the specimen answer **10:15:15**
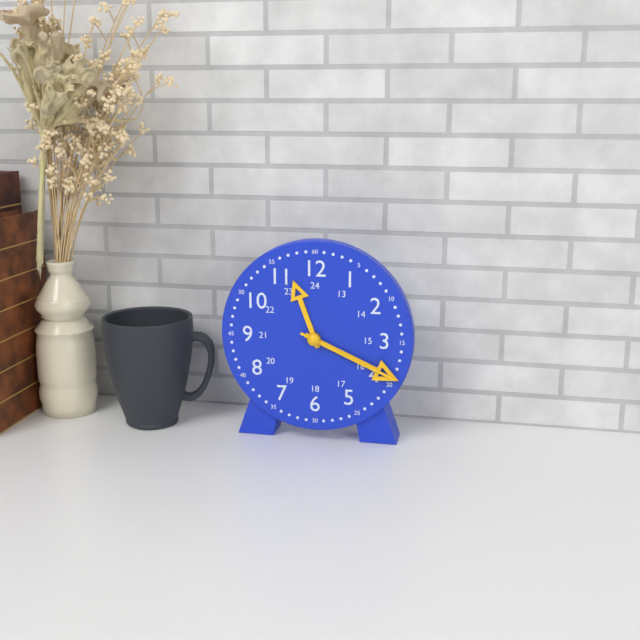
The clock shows **11:19:19**
